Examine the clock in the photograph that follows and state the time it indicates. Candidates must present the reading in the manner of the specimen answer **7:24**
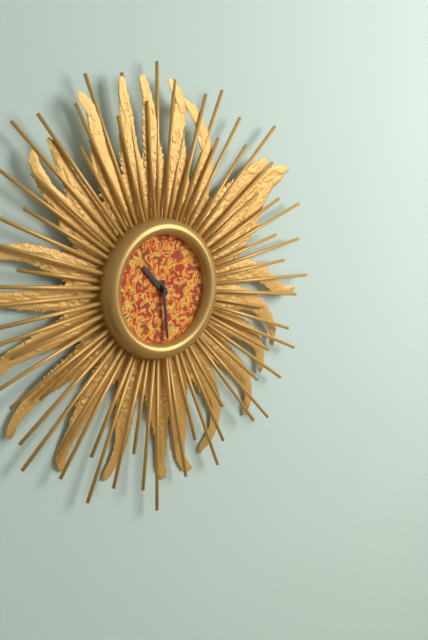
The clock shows **10:29**
